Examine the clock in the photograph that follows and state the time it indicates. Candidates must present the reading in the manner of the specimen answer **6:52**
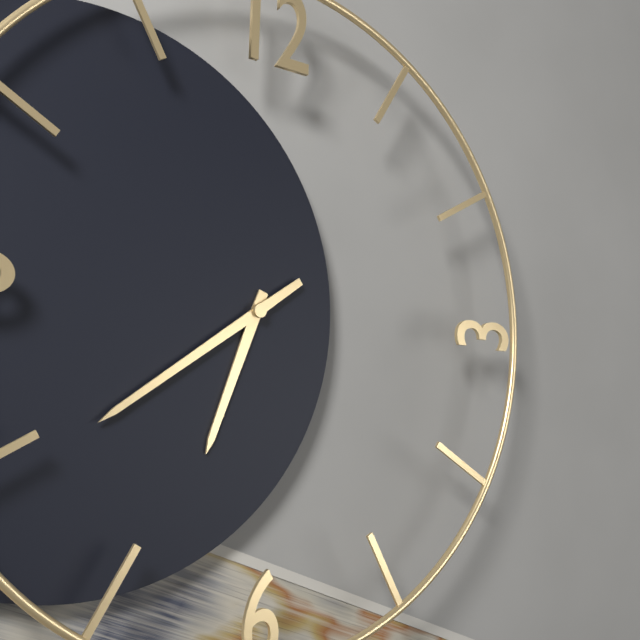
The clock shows **6:39**
